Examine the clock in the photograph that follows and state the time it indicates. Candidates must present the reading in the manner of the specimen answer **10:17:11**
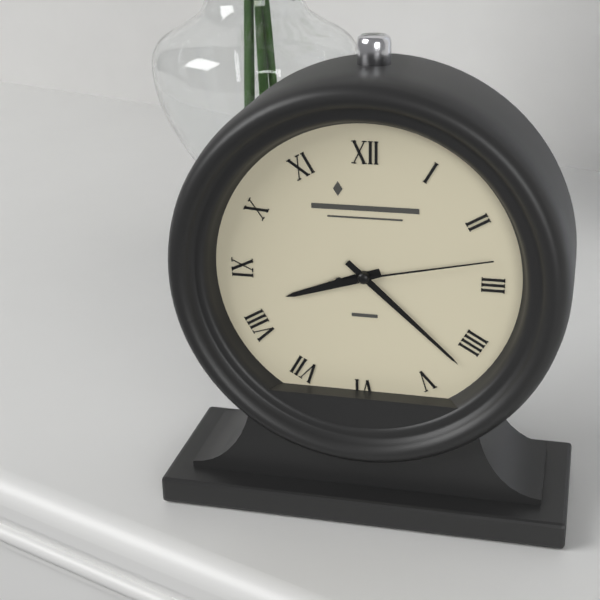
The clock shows **8:22:13**
